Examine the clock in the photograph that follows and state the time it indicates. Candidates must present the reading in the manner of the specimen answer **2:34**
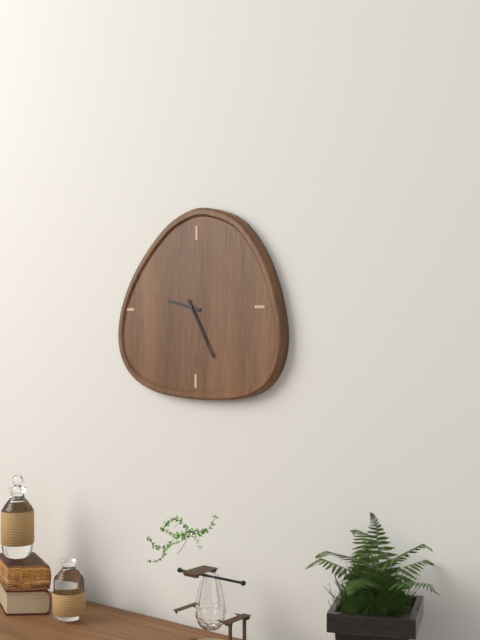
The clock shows **9:25**
